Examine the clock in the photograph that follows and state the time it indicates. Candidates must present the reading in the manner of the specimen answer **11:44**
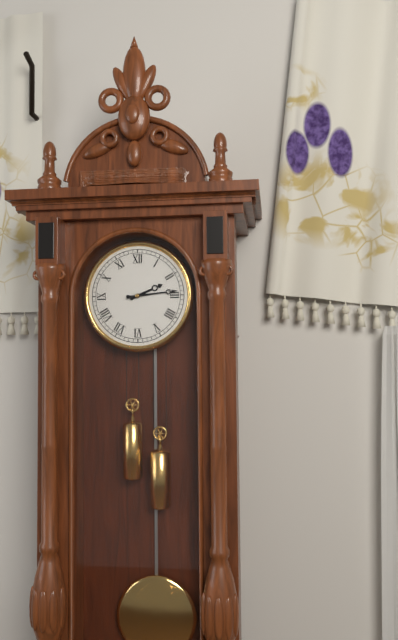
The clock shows **2:14**
